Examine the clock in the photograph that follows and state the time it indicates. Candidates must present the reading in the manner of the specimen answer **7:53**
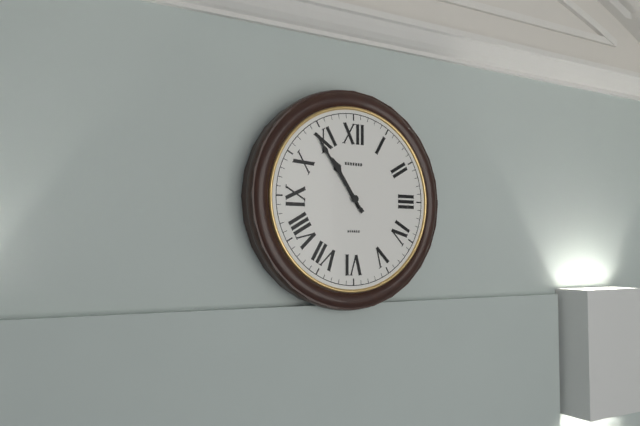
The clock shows **10:54**
